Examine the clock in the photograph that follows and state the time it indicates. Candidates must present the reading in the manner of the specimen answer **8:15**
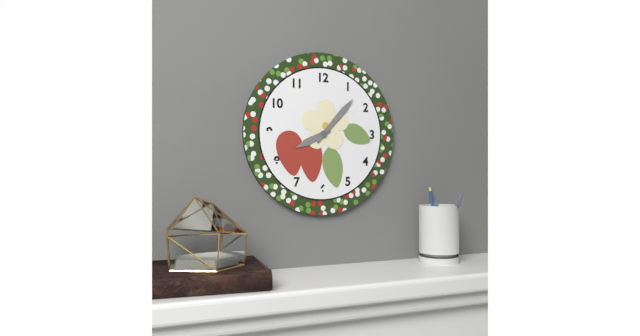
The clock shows **8:07**
